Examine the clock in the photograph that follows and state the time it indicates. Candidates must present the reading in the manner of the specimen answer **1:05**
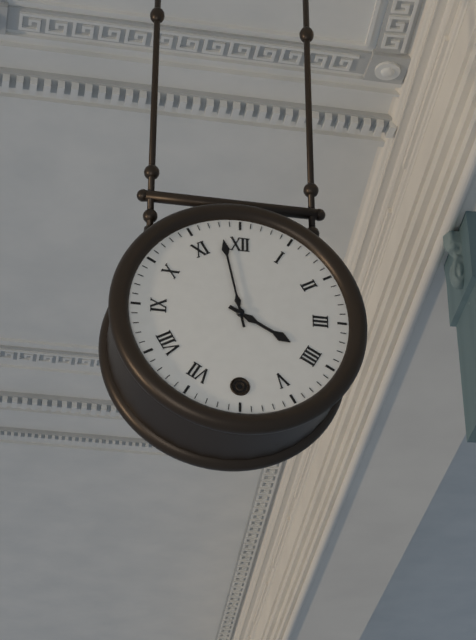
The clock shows **3:58**
